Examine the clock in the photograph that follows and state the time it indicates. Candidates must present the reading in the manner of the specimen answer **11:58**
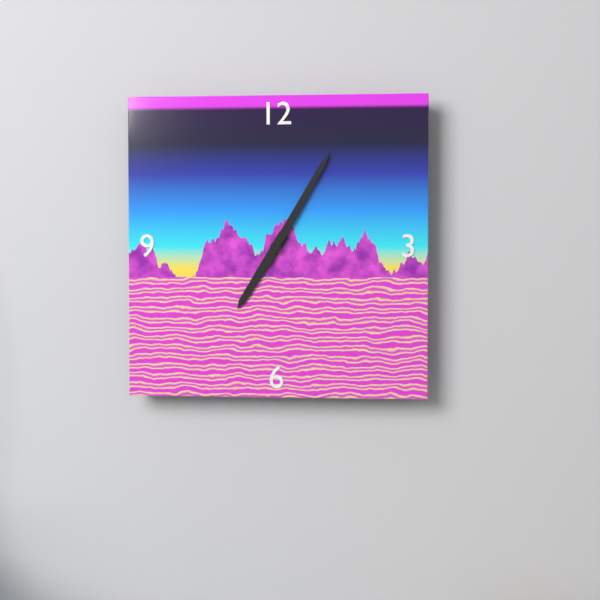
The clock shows **7:05**
